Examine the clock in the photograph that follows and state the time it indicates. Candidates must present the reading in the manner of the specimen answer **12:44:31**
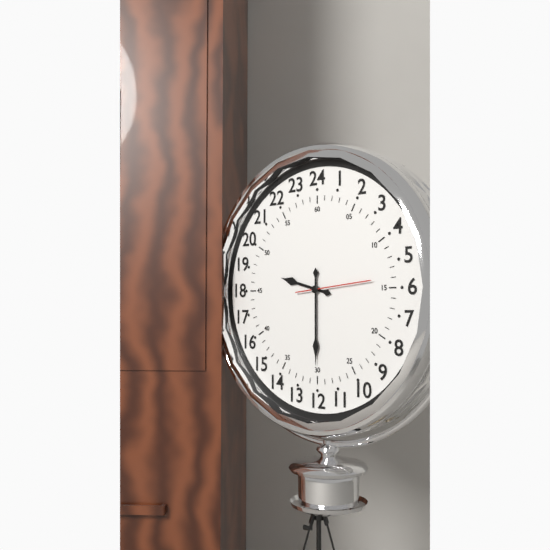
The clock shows **9:30:14**
